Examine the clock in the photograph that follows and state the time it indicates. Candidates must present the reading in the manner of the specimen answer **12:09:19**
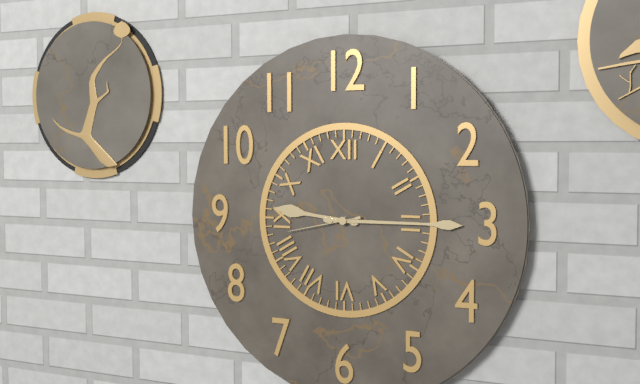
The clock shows **9:15:43**
